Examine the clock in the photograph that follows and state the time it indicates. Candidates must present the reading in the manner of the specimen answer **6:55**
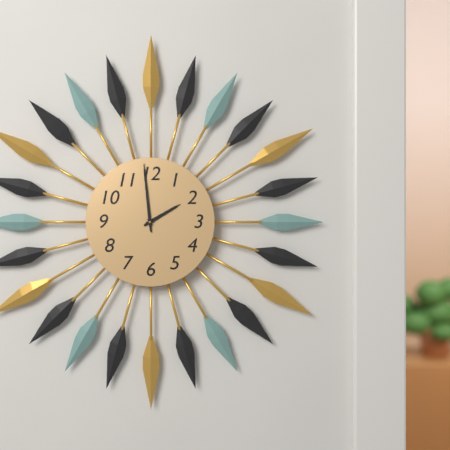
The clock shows **1:59**
